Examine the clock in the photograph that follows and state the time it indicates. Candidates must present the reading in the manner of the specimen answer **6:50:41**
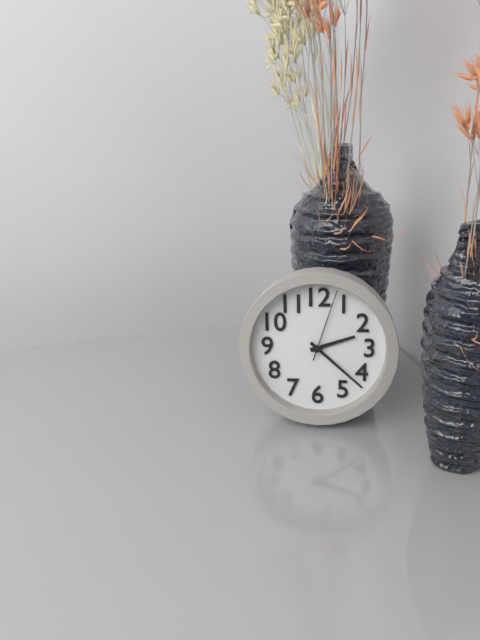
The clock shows **2:22:03**
